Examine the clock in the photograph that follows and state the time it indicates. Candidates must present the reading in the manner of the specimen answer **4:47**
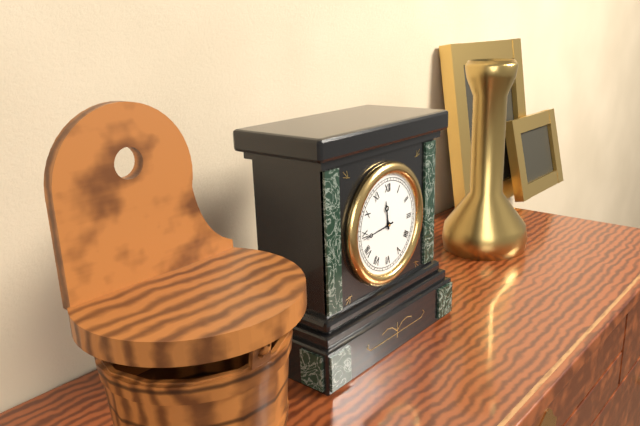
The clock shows **11:44**
